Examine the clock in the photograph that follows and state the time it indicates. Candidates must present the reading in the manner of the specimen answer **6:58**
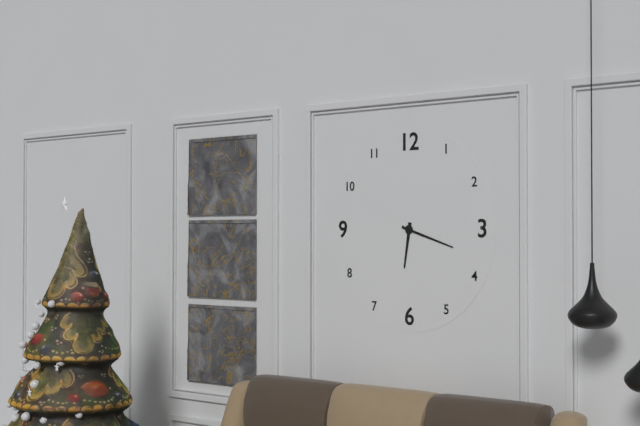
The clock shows **6:18**
